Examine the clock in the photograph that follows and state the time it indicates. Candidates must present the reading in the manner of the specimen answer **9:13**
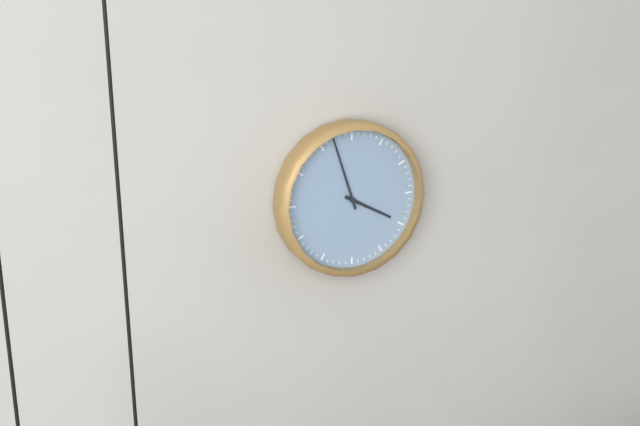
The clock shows **3:57**
